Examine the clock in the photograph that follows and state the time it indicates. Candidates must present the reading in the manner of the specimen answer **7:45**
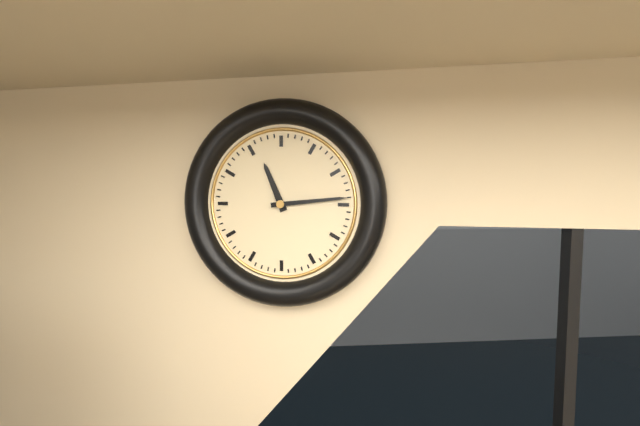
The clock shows **11:14**
